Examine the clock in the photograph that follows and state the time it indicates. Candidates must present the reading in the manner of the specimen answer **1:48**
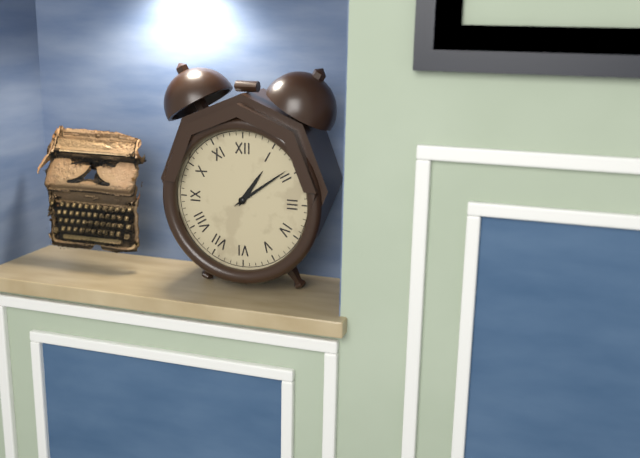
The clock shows **1:09**
